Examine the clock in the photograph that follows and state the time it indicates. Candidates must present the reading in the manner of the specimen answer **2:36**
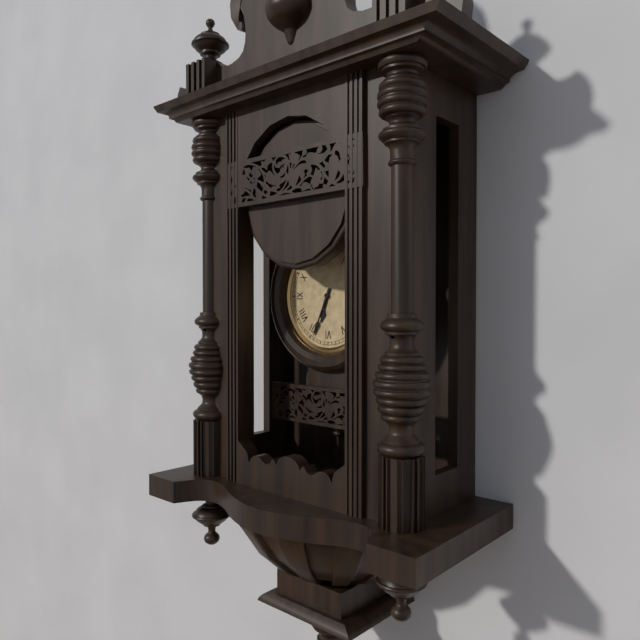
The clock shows **6:34**
